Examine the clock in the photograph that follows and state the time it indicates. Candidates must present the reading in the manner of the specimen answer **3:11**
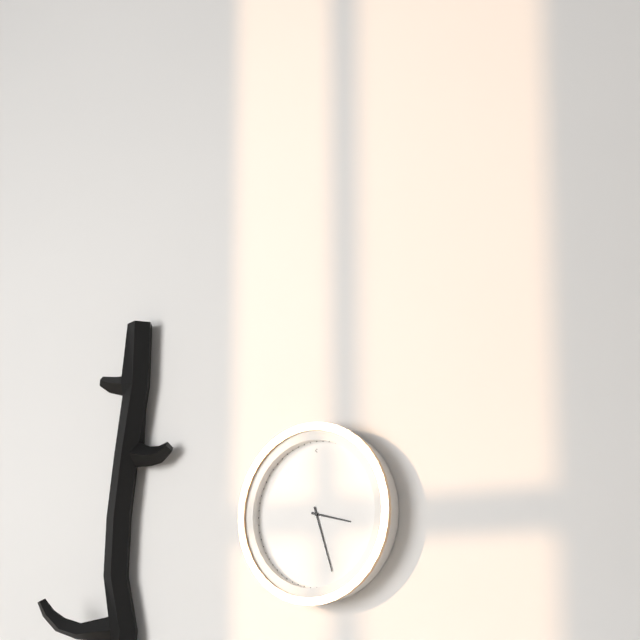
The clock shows **3:27**
